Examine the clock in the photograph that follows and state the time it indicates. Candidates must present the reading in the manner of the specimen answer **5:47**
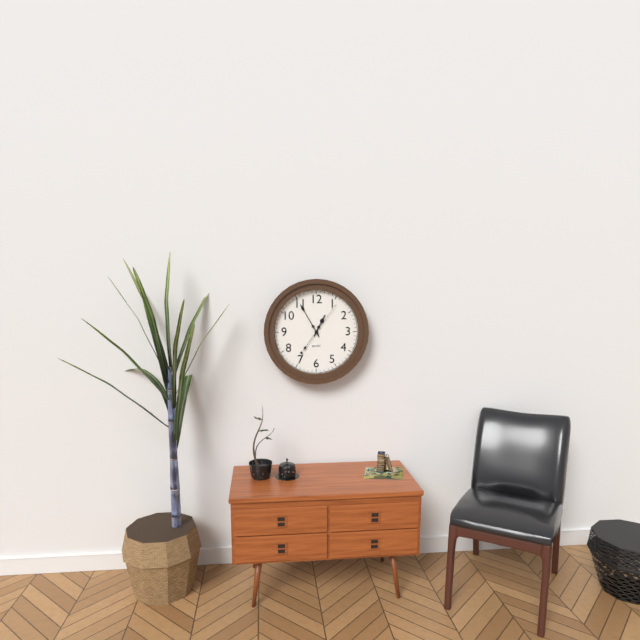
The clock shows **12:55**
